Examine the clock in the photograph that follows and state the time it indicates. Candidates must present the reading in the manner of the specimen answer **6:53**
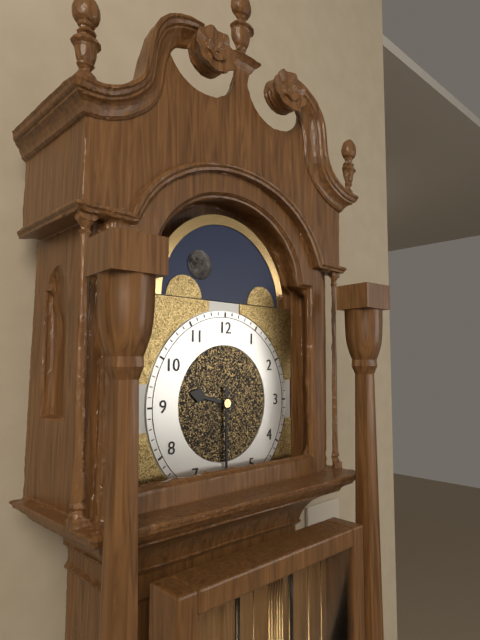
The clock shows **9:30**
